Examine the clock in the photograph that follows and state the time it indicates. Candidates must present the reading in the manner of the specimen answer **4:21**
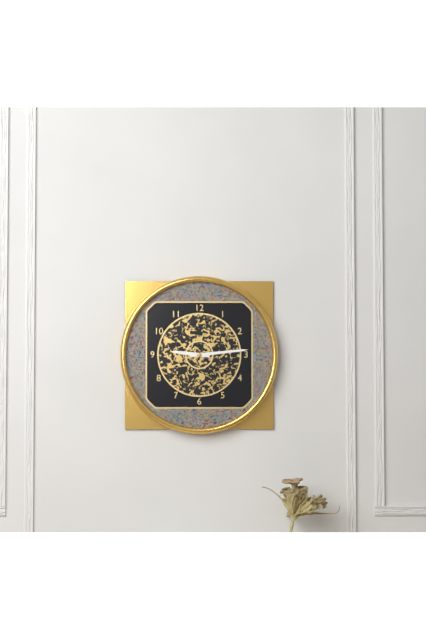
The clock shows **9:14**
